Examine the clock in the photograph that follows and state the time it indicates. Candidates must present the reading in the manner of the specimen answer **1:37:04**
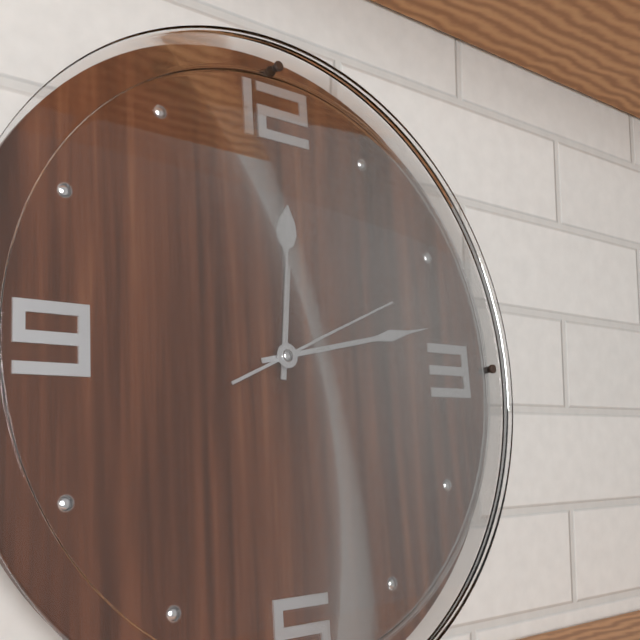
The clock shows **12:13:11**
